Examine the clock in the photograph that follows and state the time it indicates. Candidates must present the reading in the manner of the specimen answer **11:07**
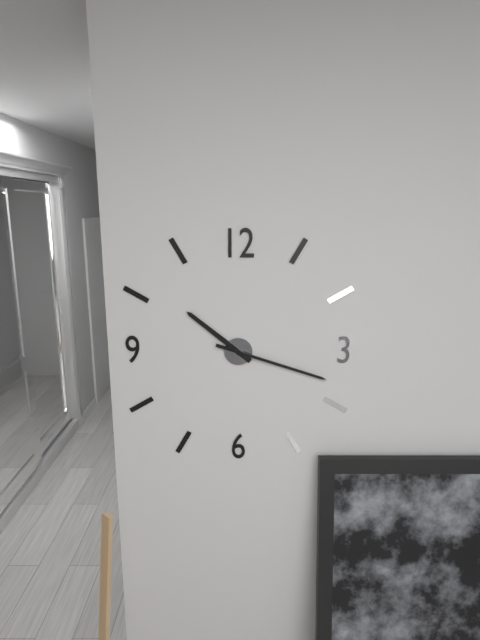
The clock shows **10:18**
